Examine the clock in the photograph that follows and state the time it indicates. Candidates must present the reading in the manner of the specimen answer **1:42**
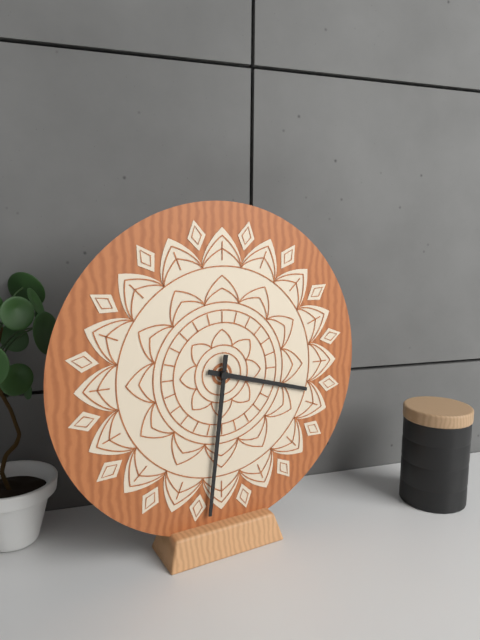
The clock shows **3:31**
